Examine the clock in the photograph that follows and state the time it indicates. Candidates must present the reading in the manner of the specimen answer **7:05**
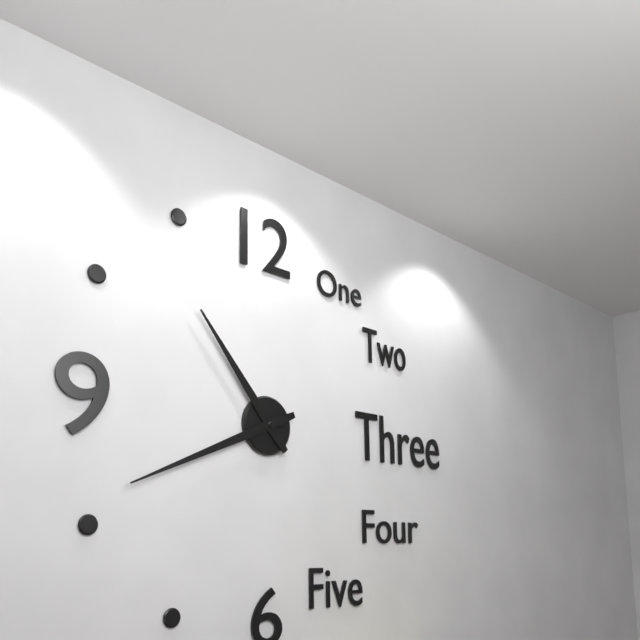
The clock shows **10:41**
